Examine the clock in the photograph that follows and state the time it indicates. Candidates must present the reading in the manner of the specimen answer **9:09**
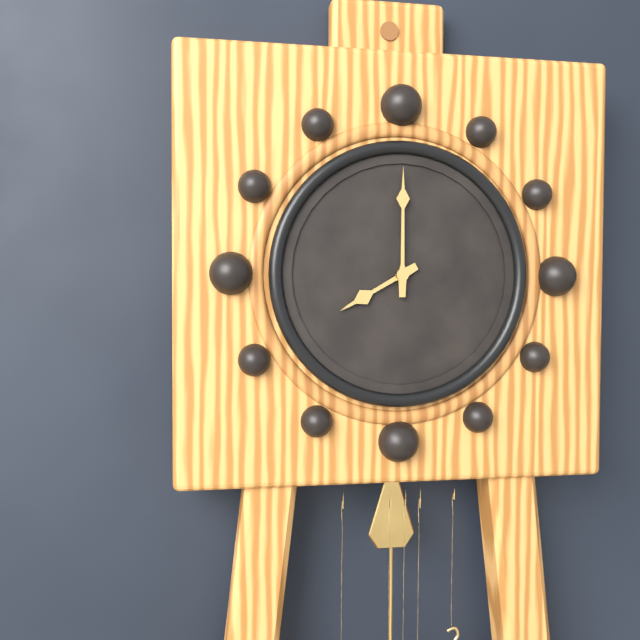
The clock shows **8:00**
